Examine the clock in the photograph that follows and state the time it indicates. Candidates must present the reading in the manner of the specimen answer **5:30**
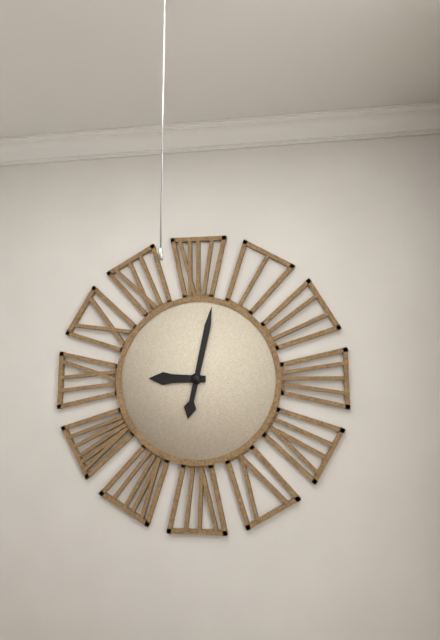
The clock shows **9:02**
